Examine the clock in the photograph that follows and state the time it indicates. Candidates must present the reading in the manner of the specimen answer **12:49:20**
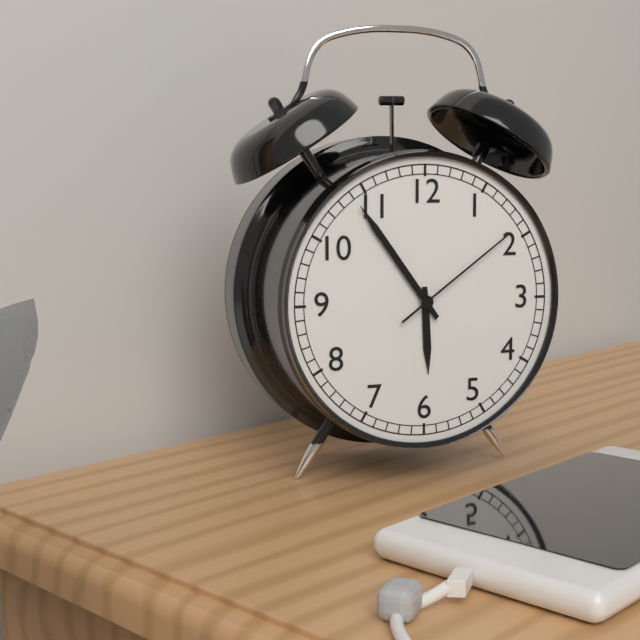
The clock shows **5:54:09**
